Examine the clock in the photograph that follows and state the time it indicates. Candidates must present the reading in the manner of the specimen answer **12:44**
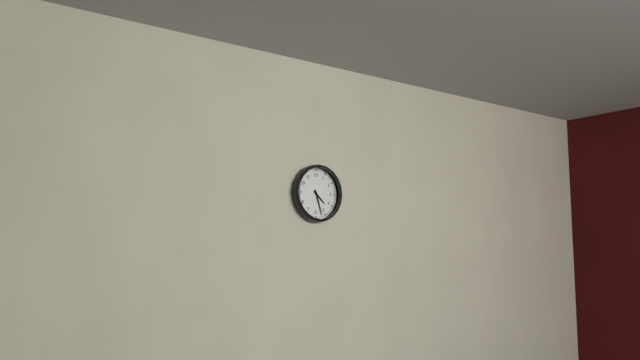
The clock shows **4:27**
